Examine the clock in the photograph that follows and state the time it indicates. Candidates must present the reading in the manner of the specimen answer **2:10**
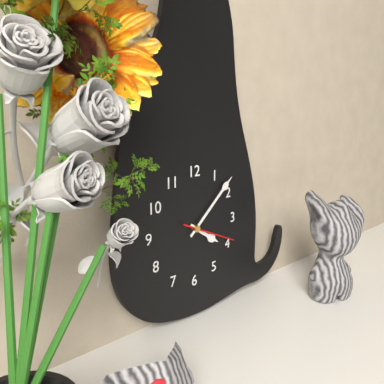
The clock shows **4:08**
